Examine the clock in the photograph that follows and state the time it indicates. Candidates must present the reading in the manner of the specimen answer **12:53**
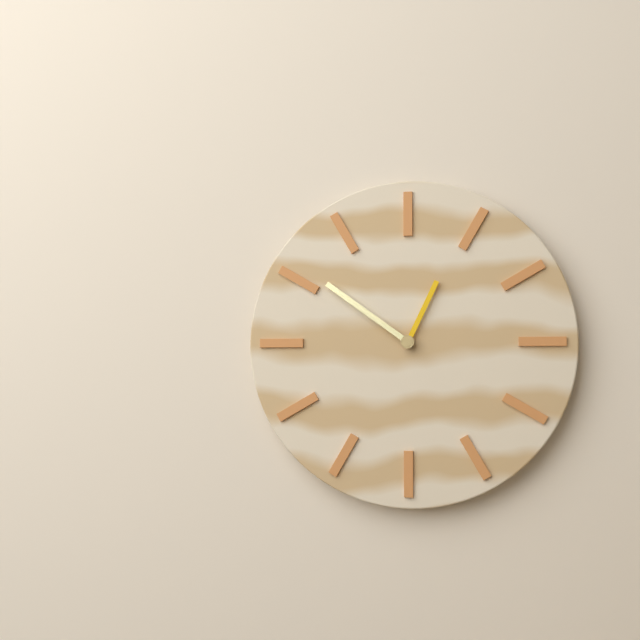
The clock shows **12:51**
